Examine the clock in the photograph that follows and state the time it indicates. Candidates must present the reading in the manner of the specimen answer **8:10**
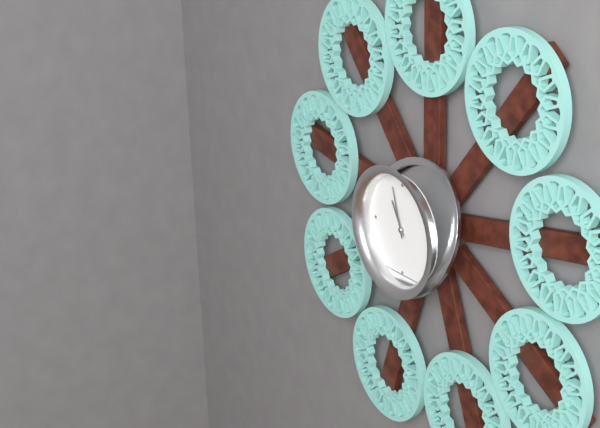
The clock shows **10:57**
